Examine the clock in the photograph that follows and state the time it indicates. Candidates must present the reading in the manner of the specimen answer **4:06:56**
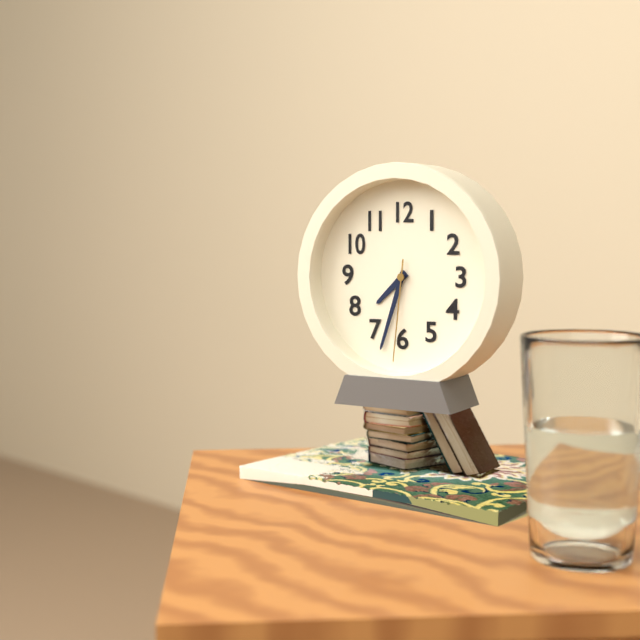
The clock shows **7:33:31**
